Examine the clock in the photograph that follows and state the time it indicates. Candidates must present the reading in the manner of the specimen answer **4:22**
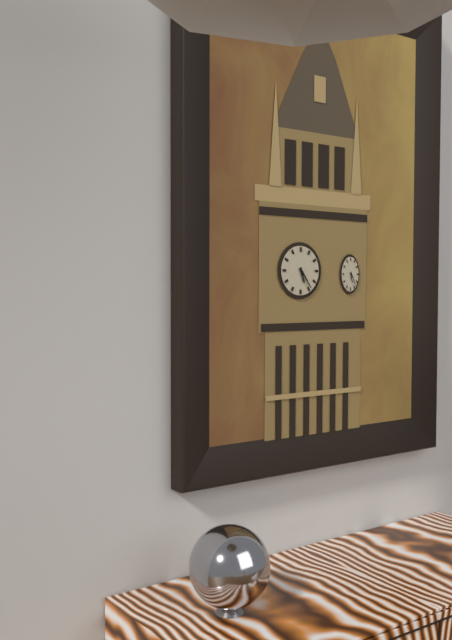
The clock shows **5:24**
